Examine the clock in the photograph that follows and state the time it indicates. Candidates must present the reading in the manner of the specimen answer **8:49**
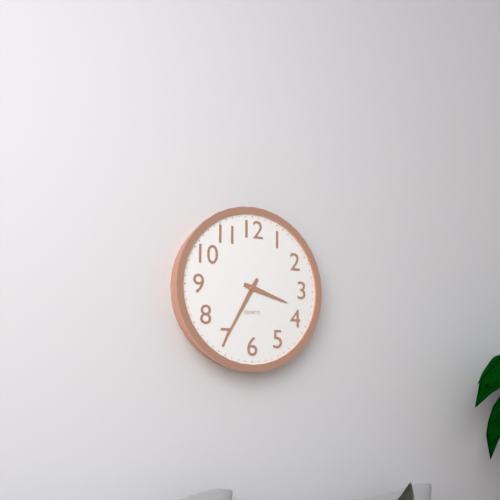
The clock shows **3:35**
